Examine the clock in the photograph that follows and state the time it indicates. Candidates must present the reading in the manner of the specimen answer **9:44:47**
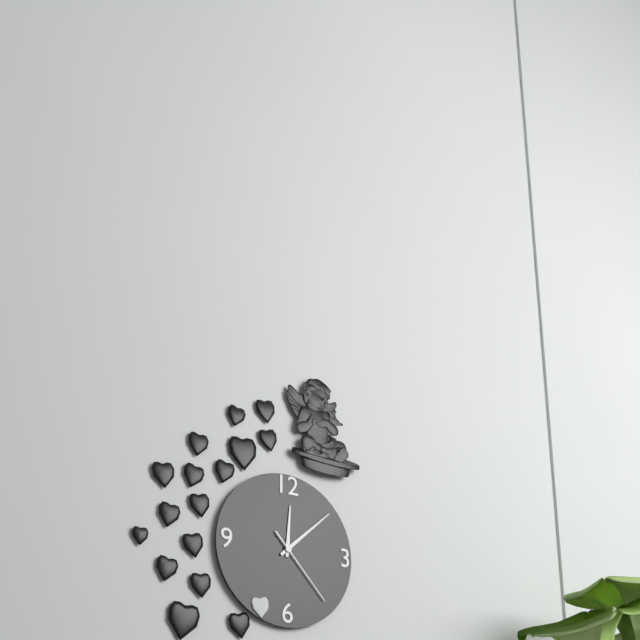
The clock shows **12:08:23**
